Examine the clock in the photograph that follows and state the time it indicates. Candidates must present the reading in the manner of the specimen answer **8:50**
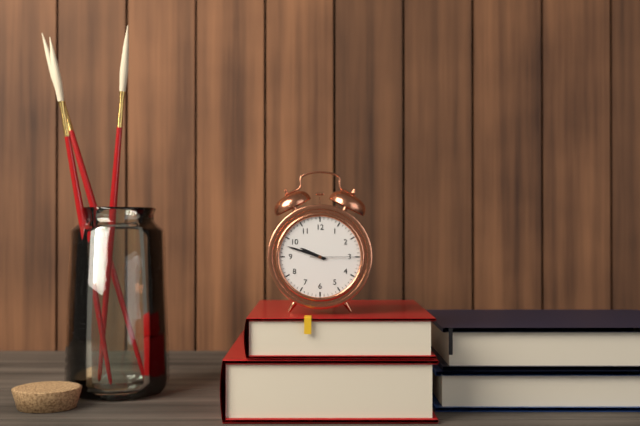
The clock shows **9:48**
